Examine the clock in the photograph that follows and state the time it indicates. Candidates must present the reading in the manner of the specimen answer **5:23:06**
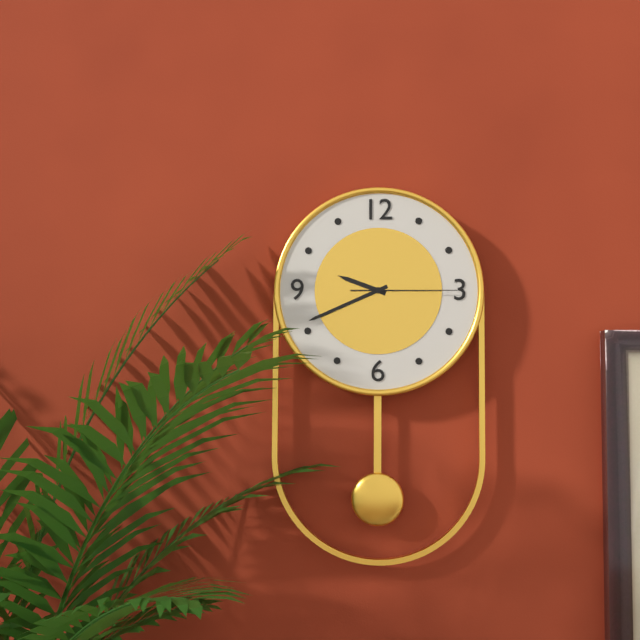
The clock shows **9:41:15**
